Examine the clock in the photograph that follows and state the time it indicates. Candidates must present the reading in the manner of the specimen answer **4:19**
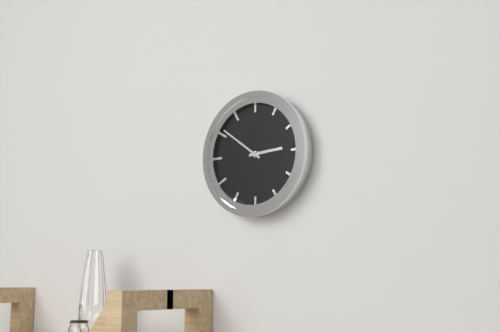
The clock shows **2:51**
